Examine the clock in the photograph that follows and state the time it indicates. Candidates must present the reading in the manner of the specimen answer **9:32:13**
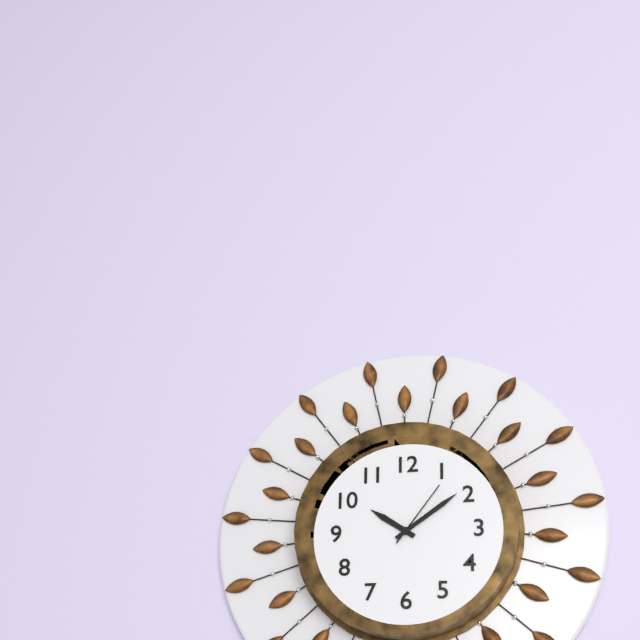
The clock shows **10:09:06**
